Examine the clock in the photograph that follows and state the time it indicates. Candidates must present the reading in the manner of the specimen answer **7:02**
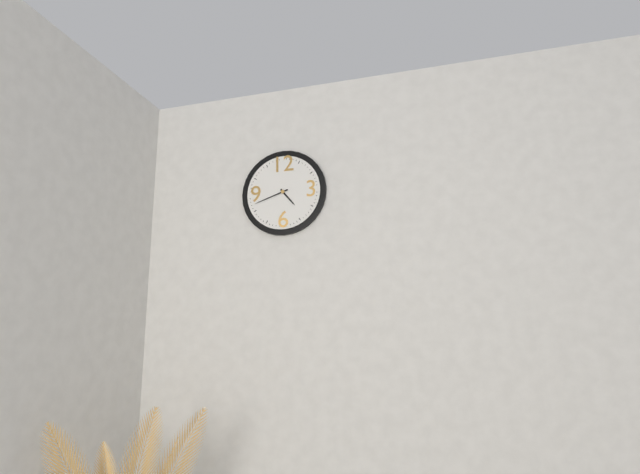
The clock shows **4:42**
